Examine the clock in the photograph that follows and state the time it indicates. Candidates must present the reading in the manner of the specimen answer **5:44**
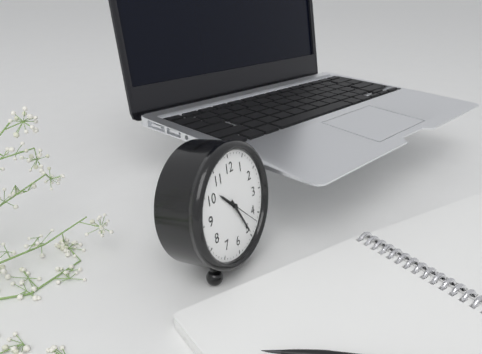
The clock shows **10:25**
